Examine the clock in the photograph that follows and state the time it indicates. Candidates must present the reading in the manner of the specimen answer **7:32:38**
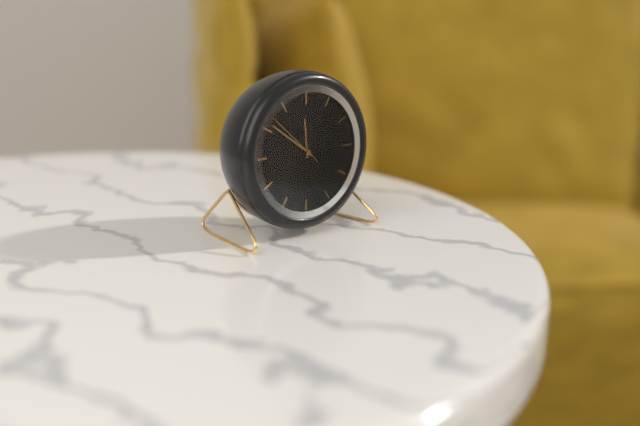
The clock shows **11:51:52**
